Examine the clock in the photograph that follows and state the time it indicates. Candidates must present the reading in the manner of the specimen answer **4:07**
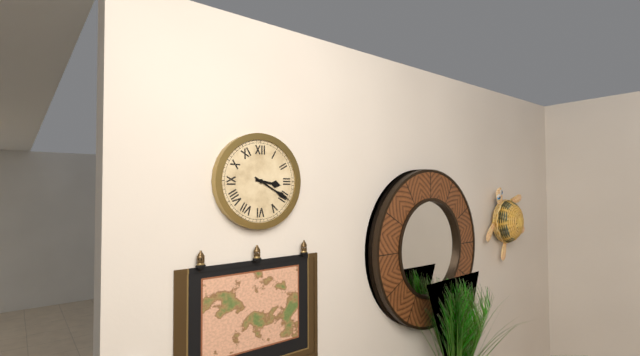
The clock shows **3:20**
